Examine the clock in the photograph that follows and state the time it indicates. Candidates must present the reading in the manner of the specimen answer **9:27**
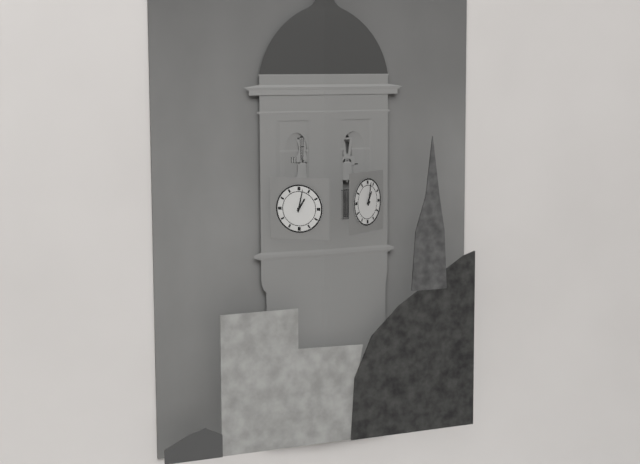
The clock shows **1:02**
